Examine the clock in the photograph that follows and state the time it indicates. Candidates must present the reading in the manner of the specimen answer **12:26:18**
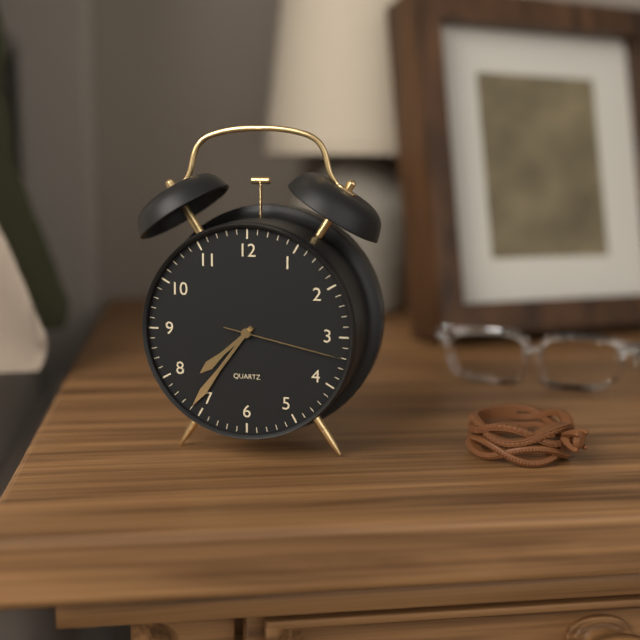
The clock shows **7:36:17**
